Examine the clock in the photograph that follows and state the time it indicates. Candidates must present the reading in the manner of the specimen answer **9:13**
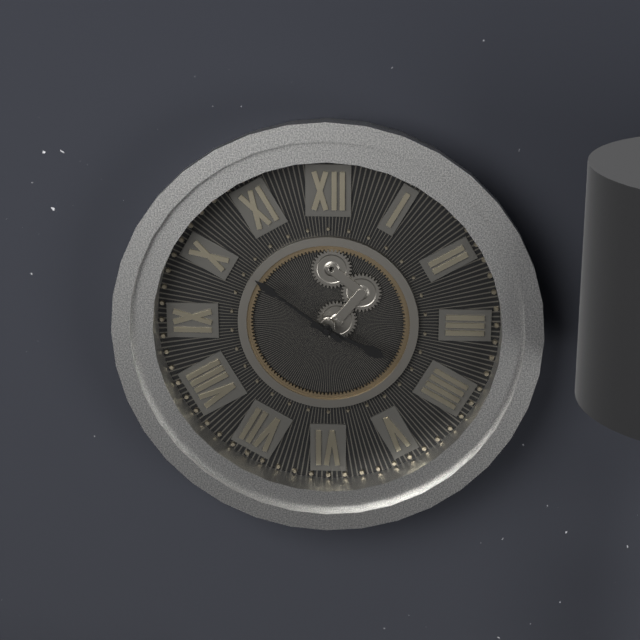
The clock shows **3:51**
